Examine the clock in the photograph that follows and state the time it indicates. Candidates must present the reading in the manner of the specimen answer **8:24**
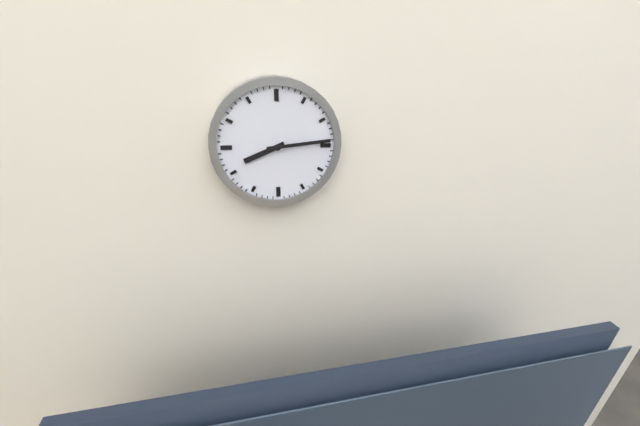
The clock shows **8:14**
